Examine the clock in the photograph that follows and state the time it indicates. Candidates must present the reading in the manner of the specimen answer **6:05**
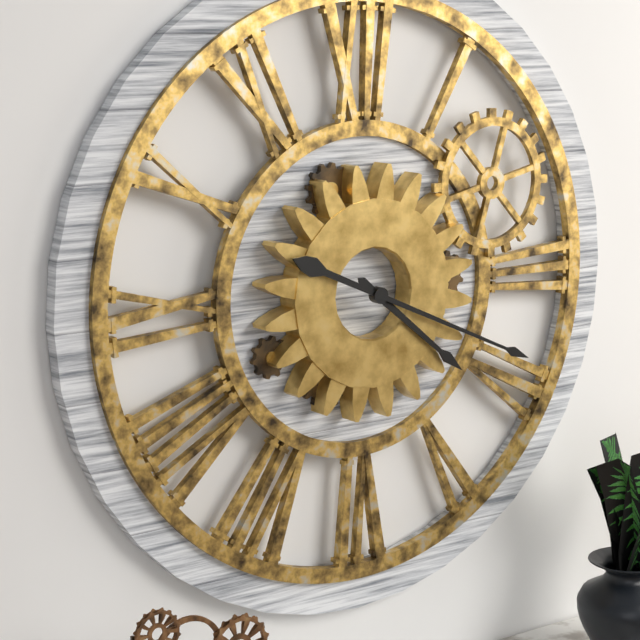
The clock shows **4:19**
